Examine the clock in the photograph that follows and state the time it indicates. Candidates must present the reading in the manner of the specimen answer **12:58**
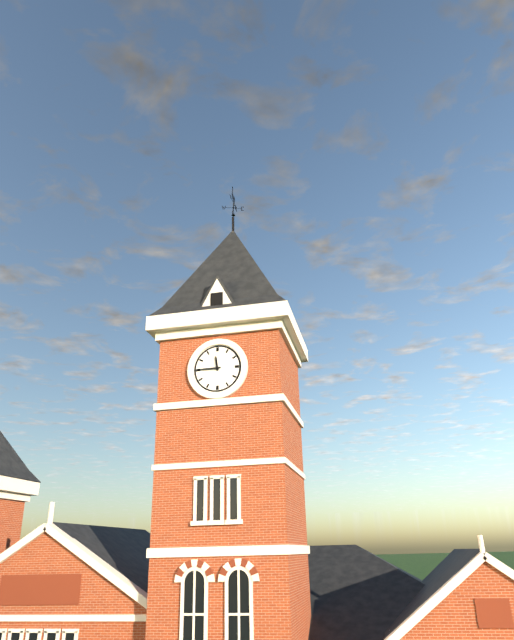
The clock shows **11:45**
